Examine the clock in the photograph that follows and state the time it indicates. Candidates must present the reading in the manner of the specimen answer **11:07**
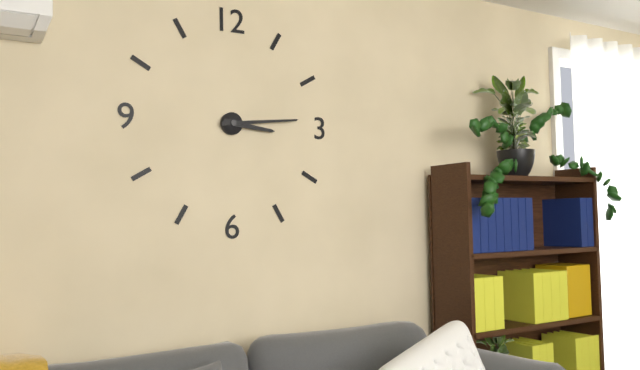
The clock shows **3:14**
